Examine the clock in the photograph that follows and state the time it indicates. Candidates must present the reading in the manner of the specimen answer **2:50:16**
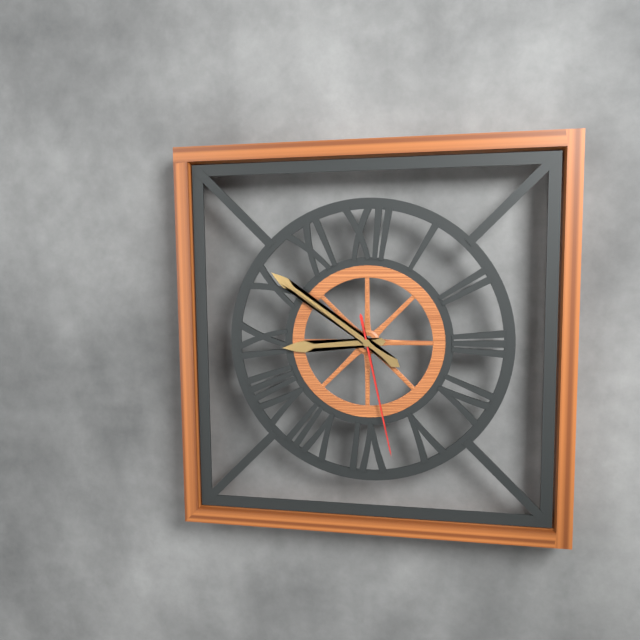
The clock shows **8:51:28**
